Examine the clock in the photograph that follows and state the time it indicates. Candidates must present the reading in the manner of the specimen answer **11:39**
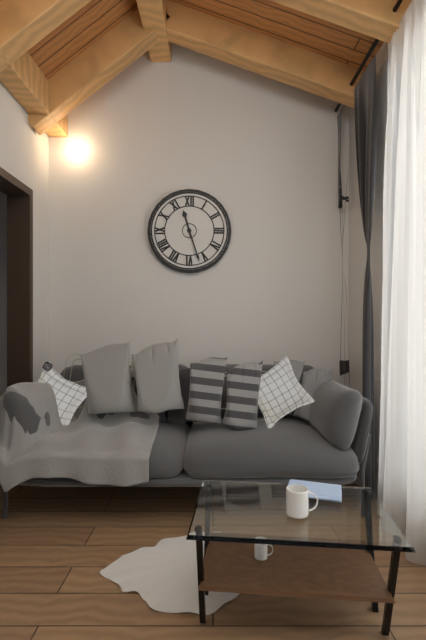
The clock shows **11:27**
